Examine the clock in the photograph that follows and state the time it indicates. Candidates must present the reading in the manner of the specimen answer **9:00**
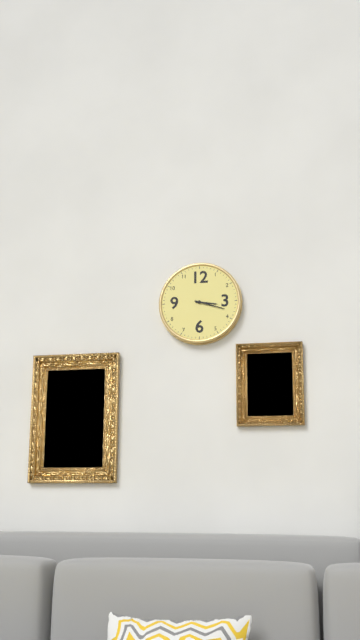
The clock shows **3:18**
